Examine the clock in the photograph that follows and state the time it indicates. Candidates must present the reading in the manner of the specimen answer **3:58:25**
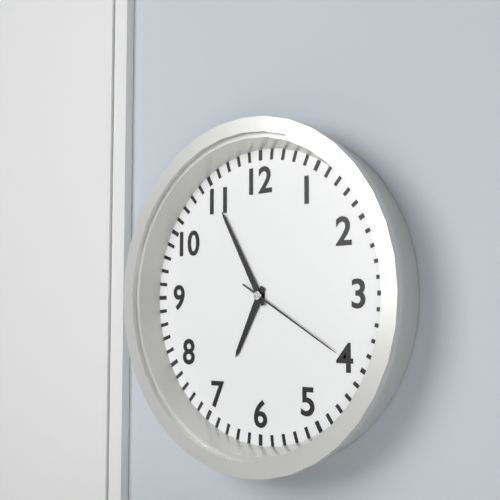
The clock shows **6:55:20**
